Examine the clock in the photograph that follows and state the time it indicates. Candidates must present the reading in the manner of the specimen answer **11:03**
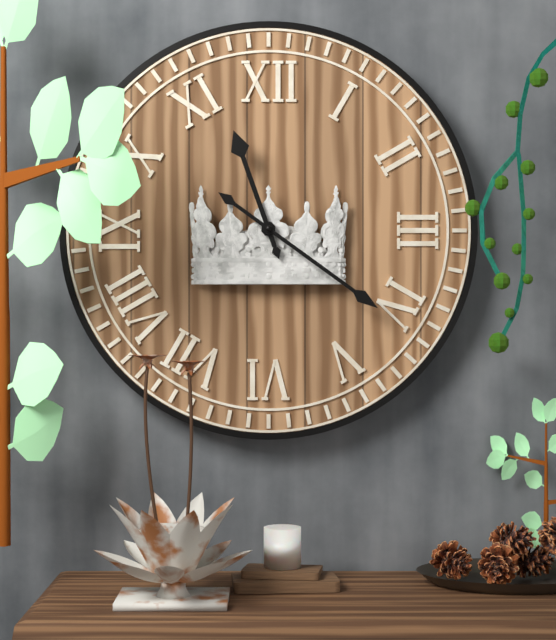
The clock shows **11:21**
